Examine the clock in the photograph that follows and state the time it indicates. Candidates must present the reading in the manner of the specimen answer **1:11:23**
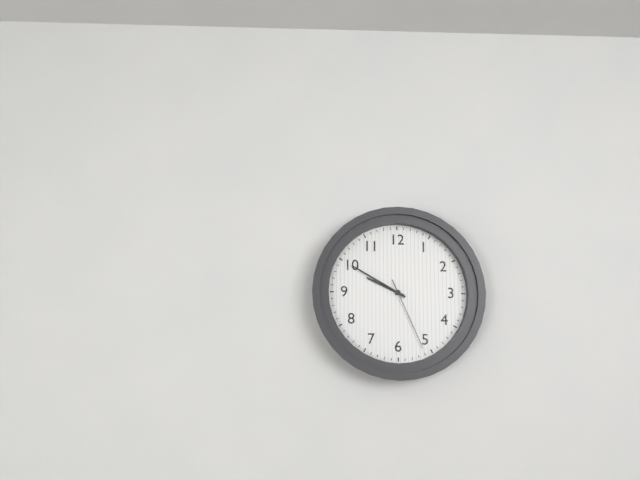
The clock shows **9:50:26**
